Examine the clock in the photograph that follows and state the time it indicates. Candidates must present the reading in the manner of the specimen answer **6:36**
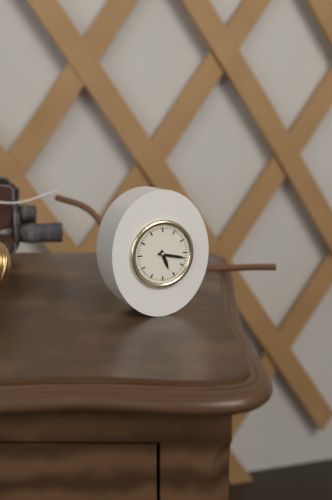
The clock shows **5:17**
